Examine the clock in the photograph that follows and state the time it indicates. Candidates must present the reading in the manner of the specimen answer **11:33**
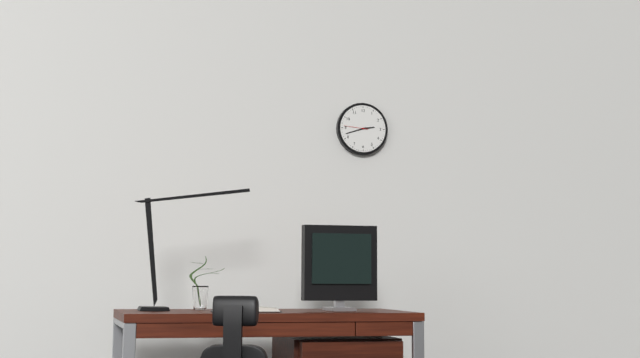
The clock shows **2:42**
